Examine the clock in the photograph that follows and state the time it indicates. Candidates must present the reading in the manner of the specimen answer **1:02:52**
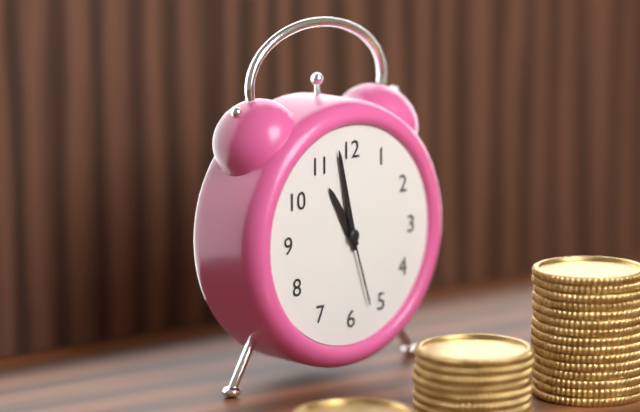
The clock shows **10:58:27**
